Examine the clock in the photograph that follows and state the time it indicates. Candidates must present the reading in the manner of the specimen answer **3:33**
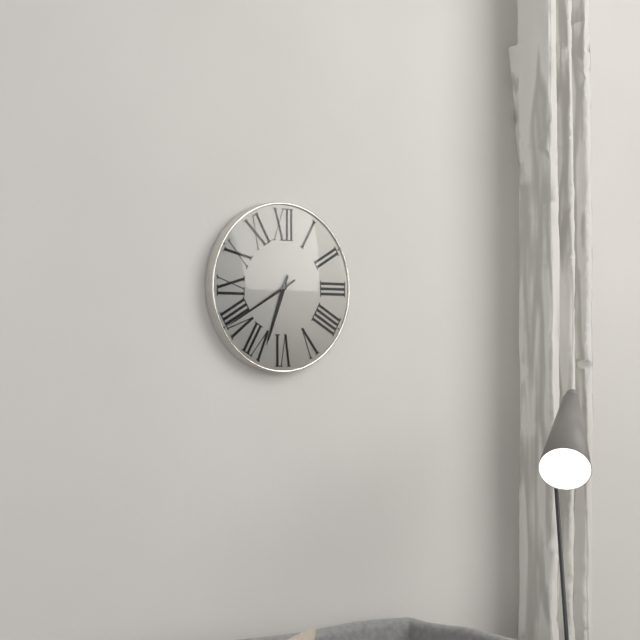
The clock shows **6:40**
